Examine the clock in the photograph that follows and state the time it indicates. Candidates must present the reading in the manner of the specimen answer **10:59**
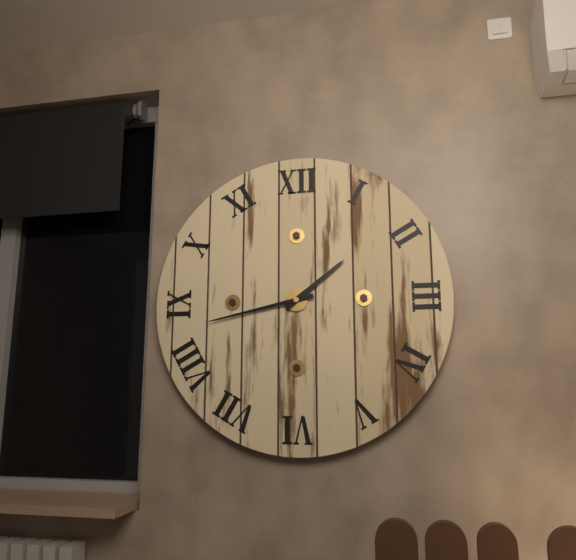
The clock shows **1:43**
